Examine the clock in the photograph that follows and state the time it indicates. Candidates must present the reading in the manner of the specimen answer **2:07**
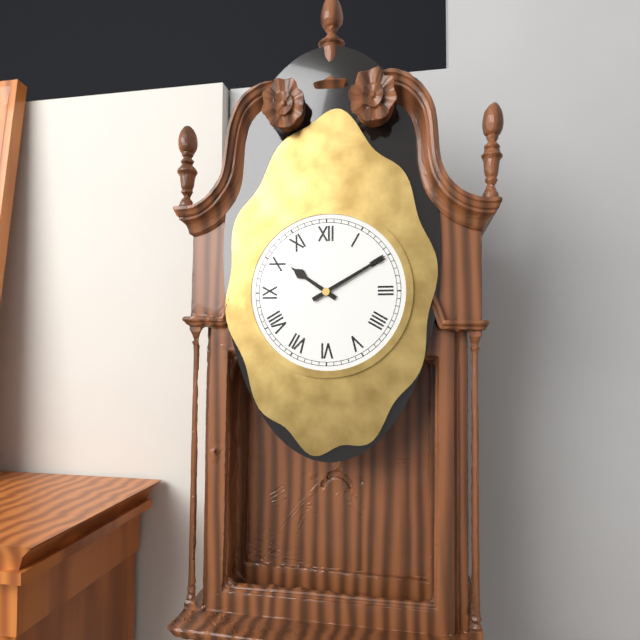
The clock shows **10:10**
